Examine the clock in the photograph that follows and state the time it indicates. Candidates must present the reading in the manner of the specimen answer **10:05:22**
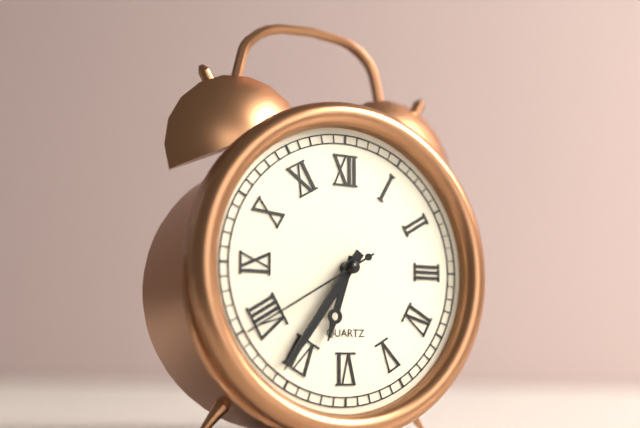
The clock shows **6:36:40**
